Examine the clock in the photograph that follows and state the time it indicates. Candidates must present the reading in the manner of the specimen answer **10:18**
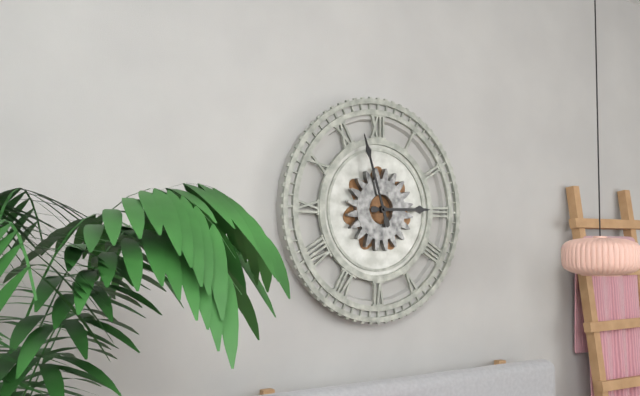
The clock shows **2:57**
